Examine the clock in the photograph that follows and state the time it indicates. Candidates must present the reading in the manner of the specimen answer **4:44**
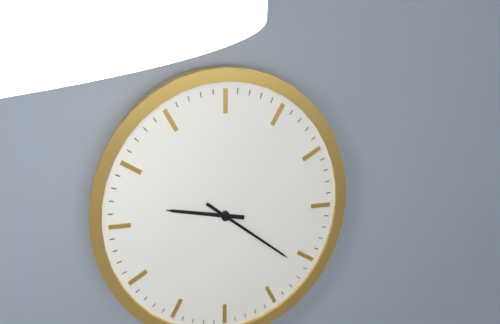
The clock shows **9:21**
